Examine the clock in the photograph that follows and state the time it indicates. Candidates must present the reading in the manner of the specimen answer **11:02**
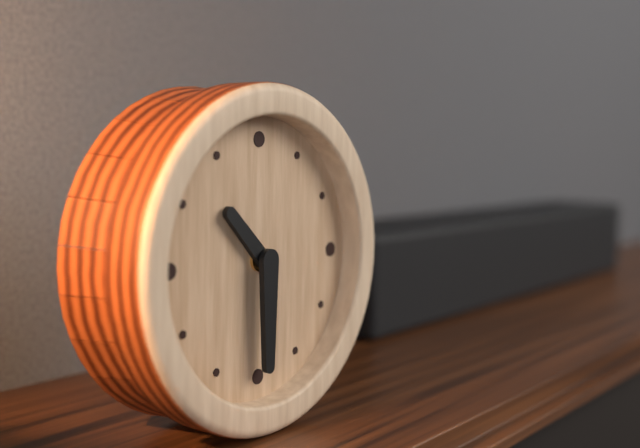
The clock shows **10:30**
